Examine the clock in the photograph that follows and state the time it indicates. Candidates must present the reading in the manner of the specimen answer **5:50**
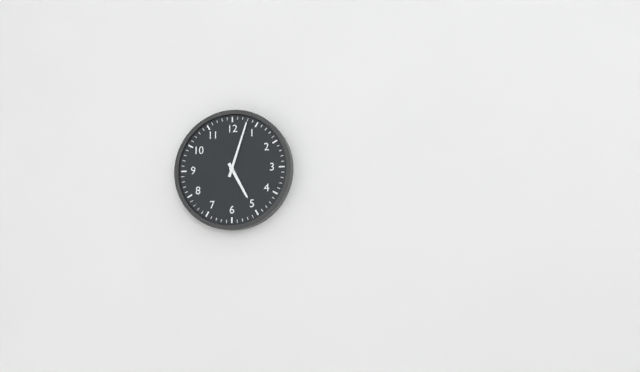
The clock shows **5:03**
